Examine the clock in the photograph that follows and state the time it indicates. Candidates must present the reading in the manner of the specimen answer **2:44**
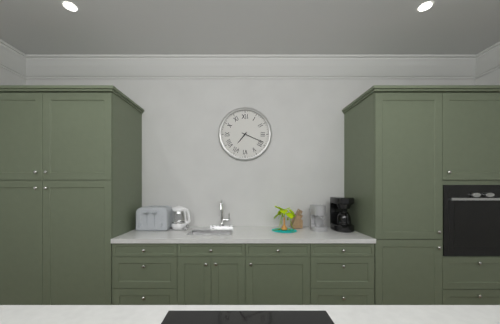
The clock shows **7:19**
